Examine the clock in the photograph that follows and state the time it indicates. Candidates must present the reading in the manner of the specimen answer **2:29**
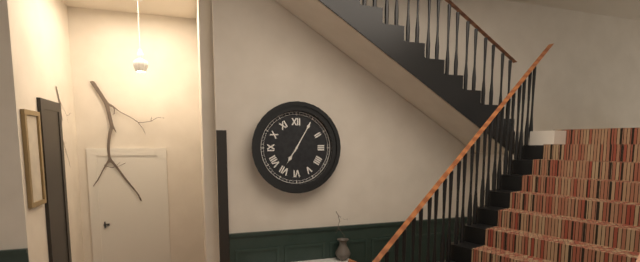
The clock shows **7:05**
